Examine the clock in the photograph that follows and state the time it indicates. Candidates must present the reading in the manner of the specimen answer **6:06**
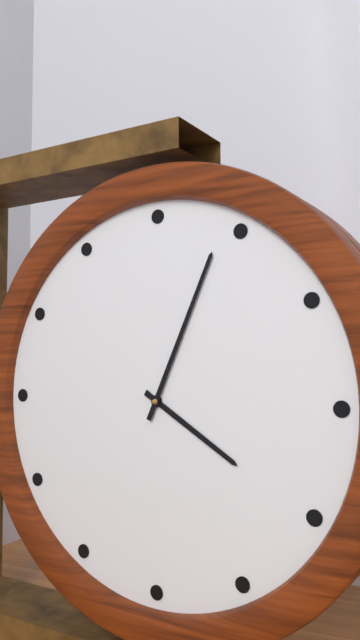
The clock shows **4:04**
